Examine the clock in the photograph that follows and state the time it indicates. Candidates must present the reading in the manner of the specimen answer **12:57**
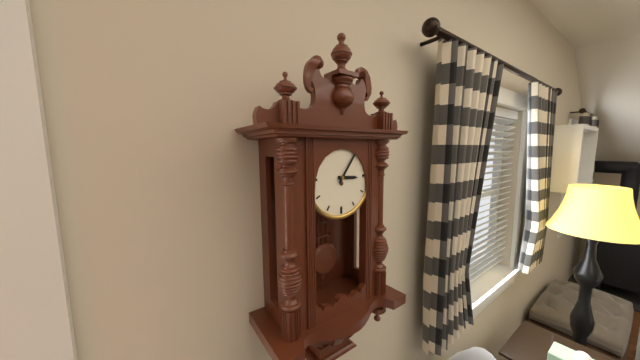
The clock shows **3:06**
